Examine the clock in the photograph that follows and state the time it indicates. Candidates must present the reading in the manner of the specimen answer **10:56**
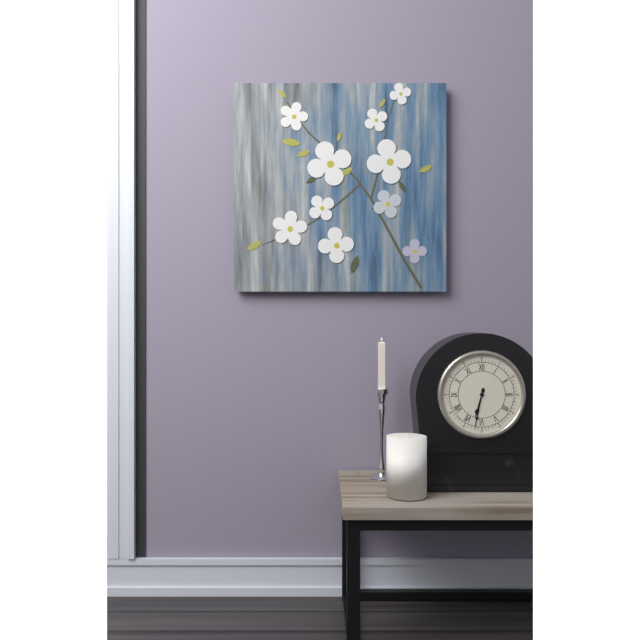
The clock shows **6:32**
